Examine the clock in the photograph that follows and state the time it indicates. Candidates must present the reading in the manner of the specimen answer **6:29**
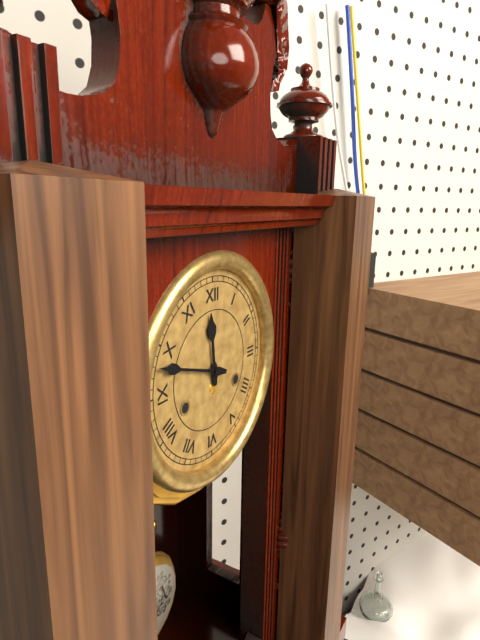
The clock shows **11:48**
